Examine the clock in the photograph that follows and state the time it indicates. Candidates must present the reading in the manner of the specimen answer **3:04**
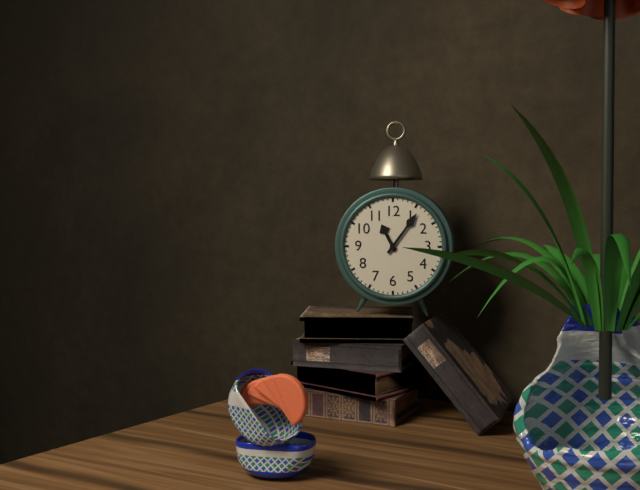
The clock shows **11:06**
